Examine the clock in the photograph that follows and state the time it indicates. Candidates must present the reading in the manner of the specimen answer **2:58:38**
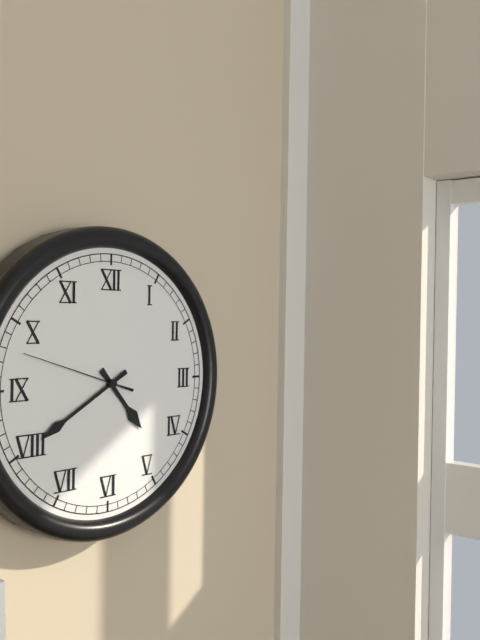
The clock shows **4:40:48**
